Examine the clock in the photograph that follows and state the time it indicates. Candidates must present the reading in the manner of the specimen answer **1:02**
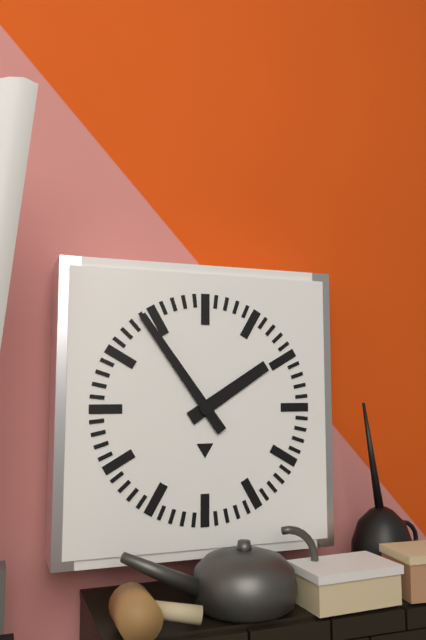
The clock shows **1:54**
